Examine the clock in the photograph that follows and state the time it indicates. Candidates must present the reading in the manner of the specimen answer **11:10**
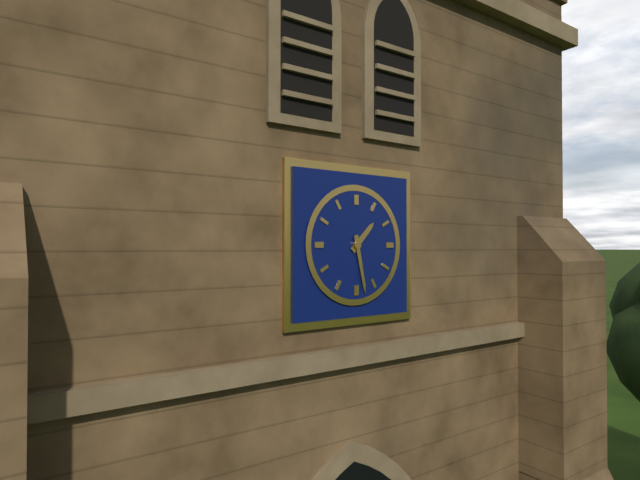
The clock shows **1:28**
